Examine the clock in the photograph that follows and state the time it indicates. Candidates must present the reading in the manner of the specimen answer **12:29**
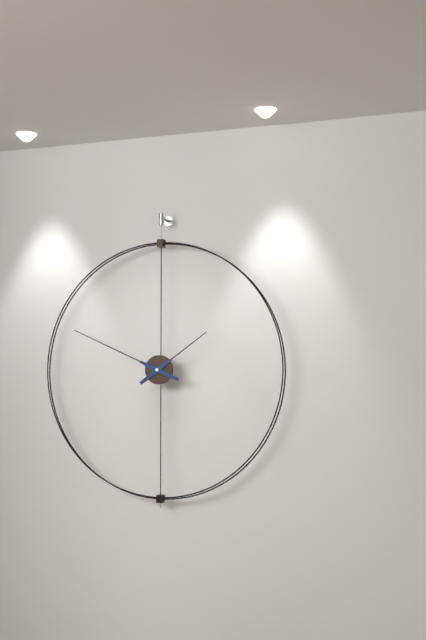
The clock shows **1:49**
